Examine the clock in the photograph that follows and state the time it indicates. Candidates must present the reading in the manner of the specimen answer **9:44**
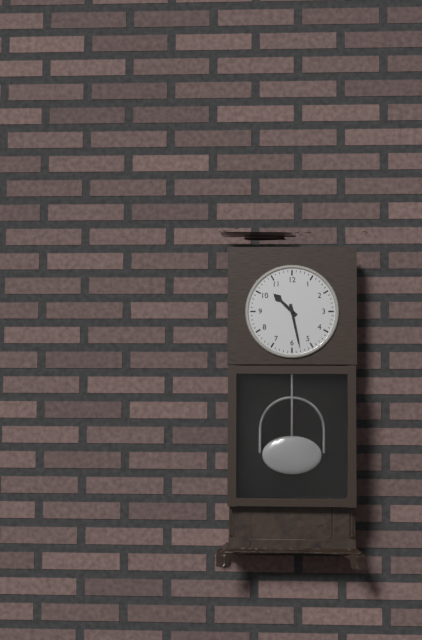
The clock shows **10:28**
